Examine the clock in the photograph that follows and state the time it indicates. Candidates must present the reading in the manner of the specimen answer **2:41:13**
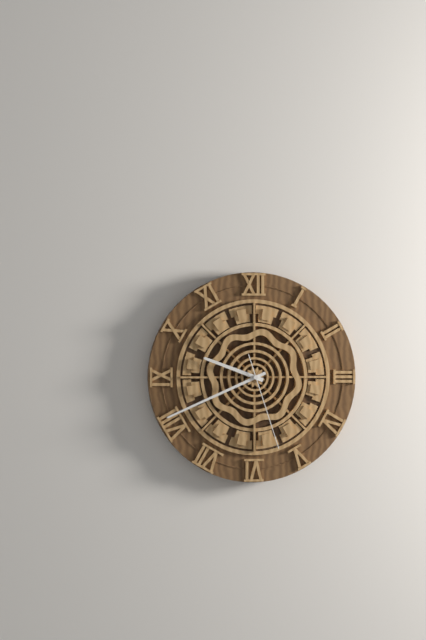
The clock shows **9:41:27**
